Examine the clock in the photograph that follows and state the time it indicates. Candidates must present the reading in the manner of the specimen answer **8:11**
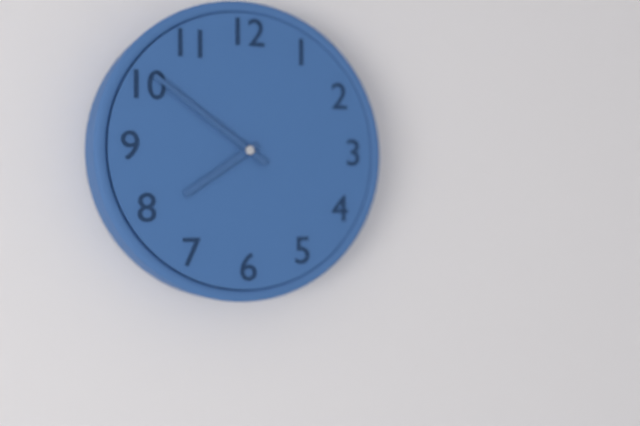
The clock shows **7:51**
